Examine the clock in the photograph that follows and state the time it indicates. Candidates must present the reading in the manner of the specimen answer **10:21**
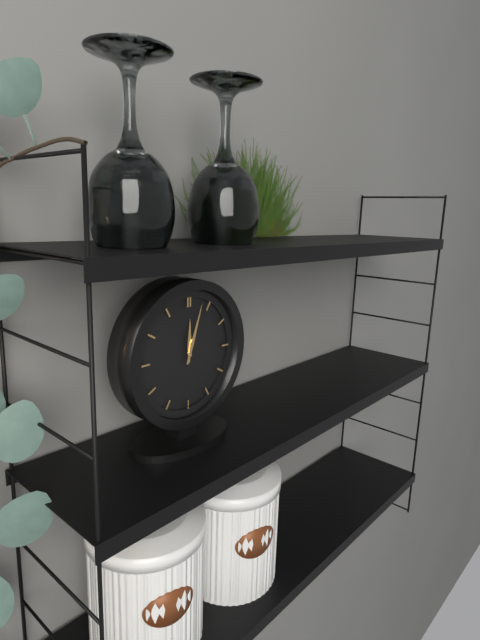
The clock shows **12:03**
